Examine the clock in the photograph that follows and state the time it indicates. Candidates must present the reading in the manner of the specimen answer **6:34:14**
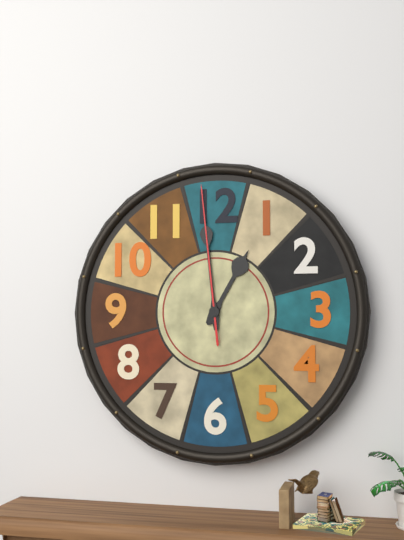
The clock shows **12:59:59**
